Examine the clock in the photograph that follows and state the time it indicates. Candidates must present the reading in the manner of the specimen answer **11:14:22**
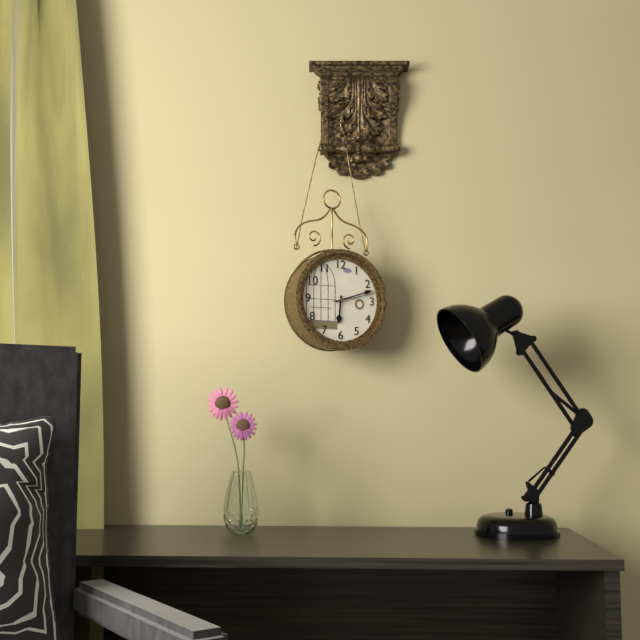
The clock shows **6:12:13**
